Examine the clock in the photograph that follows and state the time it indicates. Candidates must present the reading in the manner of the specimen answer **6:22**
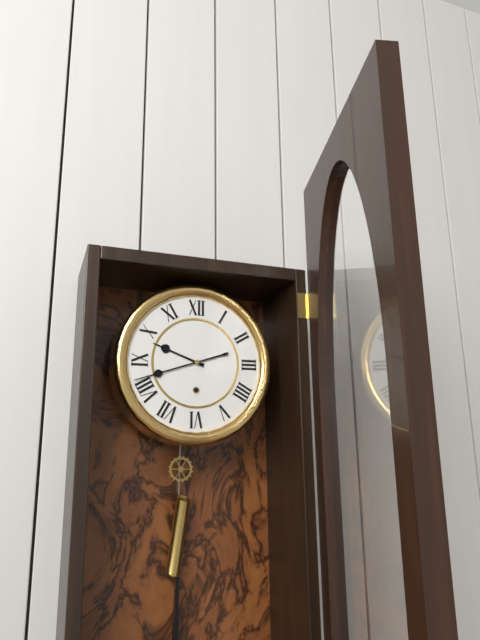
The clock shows **9:42**
